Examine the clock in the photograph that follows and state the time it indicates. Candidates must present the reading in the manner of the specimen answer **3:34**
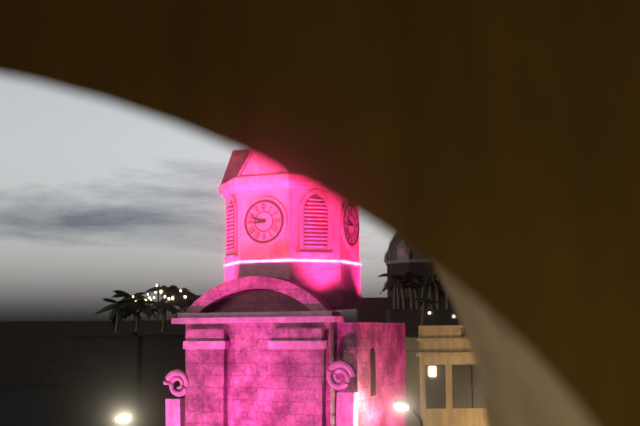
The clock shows **8:48**
